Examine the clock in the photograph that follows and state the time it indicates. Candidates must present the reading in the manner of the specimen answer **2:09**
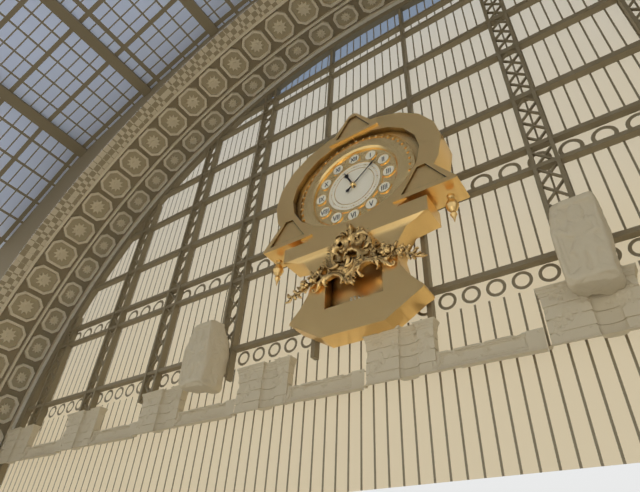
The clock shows **11:08**
